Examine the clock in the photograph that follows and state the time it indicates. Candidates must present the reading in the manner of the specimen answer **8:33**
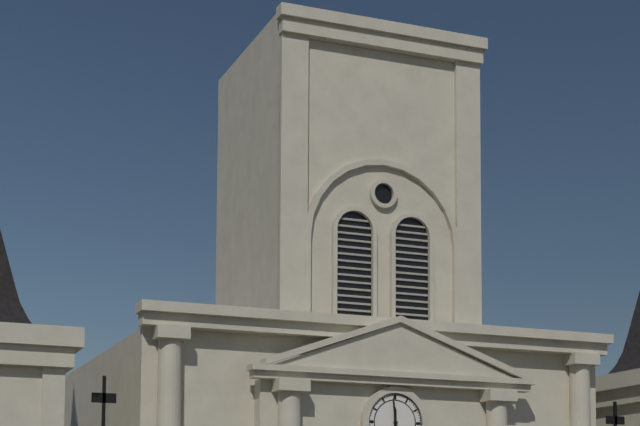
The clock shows **11:59**
